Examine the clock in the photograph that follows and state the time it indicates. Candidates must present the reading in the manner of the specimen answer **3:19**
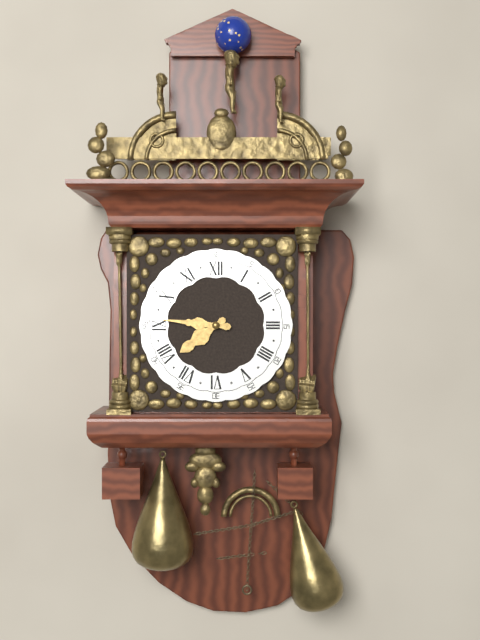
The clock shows **7:46**
